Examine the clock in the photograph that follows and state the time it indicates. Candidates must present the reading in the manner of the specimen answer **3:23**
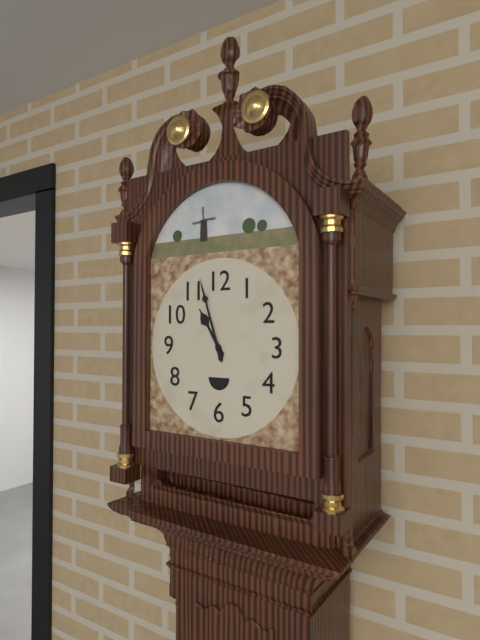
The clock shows **10:57**
